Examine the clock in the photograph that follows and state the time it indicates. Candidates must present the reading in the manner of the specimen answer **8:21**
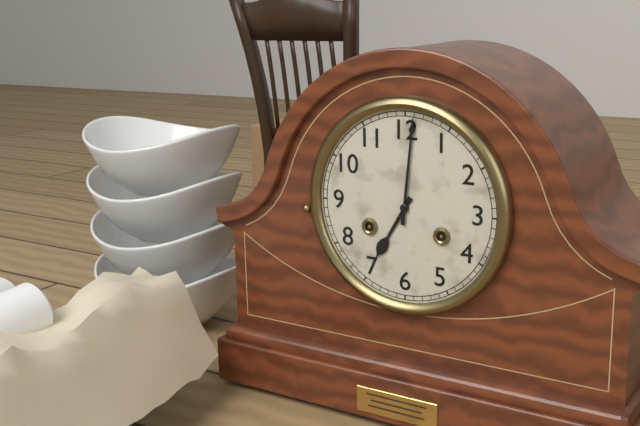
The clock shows **7:01**
